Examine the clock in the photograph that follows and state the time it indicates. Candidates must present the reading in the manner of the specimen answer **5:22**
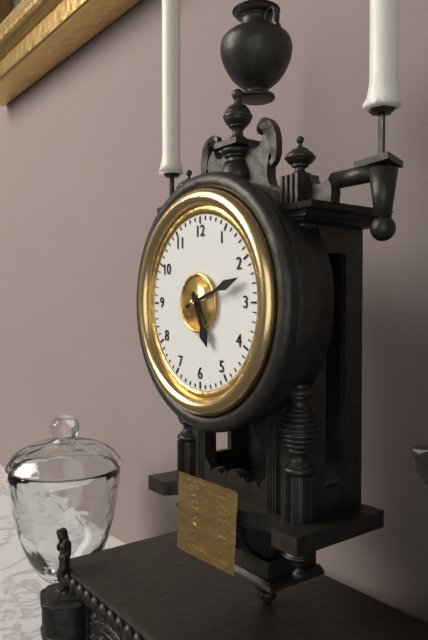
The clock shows **5:12**
